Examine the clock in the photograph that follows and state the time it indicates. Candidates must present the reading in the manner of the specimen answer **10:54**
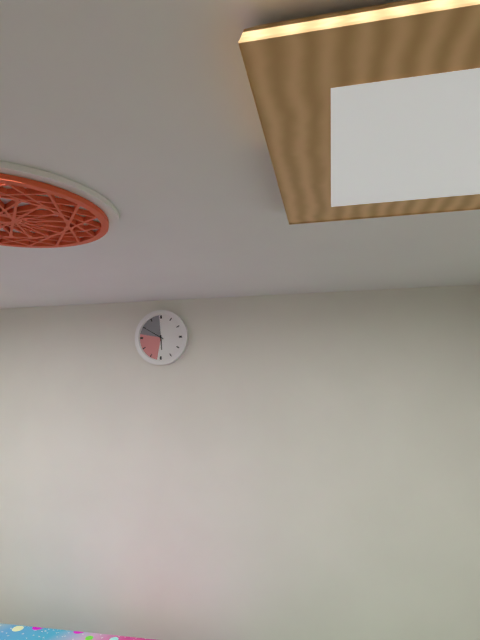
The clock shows **5:50**
